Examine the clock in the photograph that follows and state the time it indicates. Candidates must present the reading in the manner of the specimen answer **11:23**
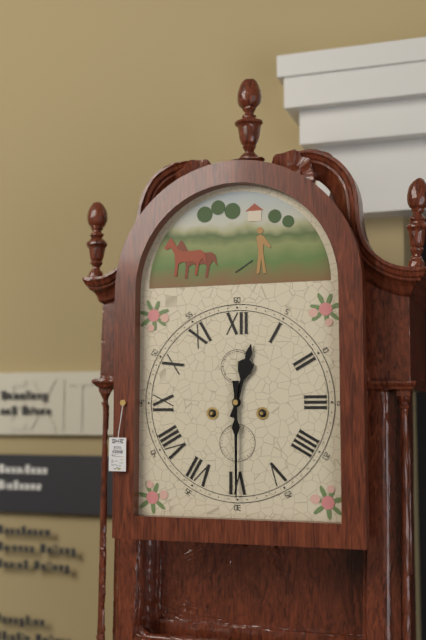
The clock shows **12:30**
